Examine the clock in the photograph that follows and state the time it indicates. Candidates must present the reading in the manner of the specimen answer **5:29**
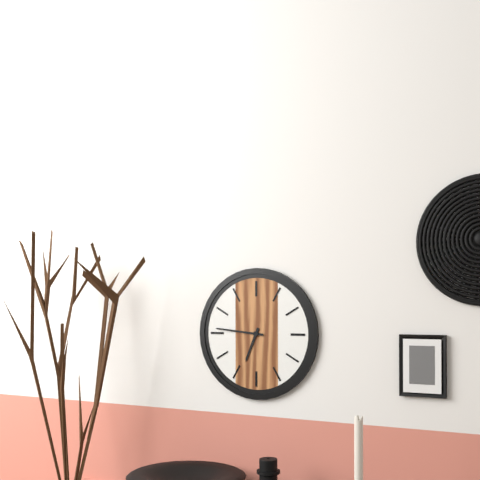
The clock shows **6:46**
